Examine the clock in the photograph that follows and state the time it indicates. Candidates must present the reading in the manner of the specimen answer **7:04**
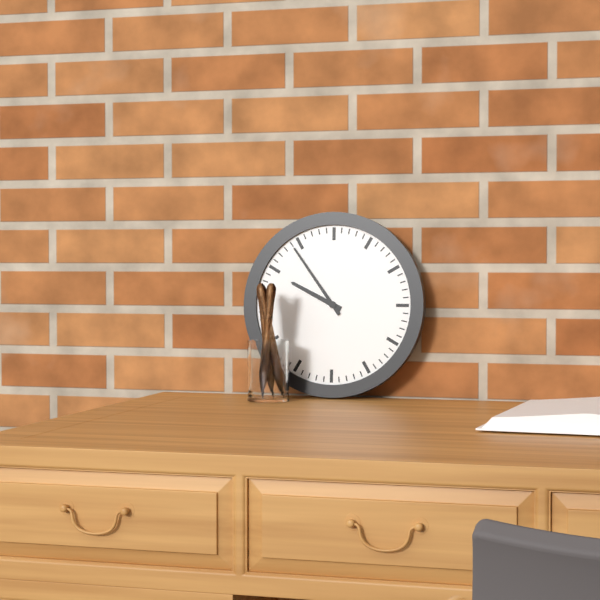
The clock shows **9:54**
